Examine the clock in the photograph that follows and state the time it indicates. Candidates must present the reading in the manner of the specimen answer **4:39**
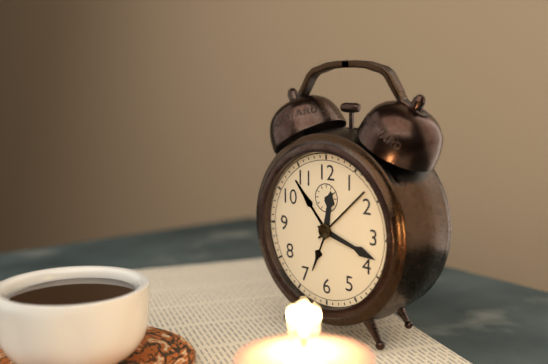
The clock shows **12:18**
